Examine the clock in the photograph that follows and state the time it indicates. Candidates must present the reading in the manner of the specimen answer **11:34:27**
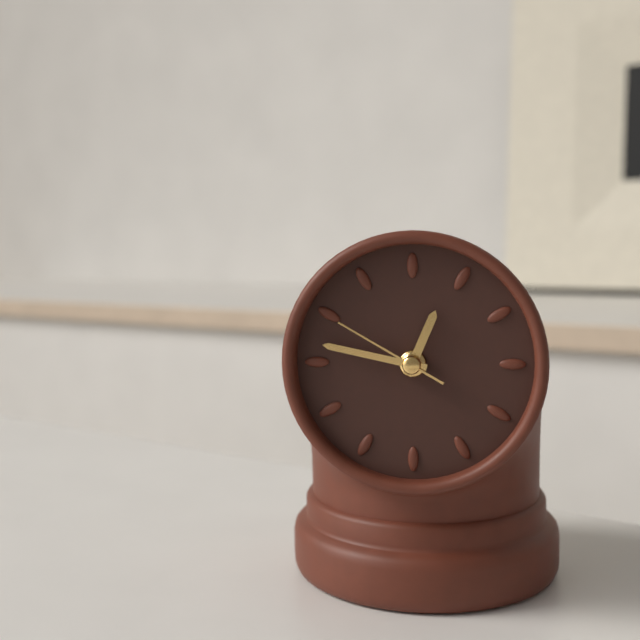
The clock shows **12:47:50**
